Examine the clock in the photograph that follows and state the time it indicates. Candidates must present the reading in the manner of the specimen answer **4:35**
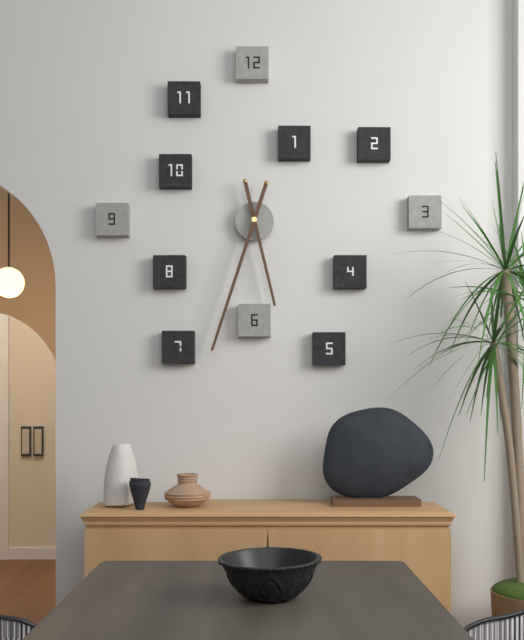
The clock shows **5:33**
